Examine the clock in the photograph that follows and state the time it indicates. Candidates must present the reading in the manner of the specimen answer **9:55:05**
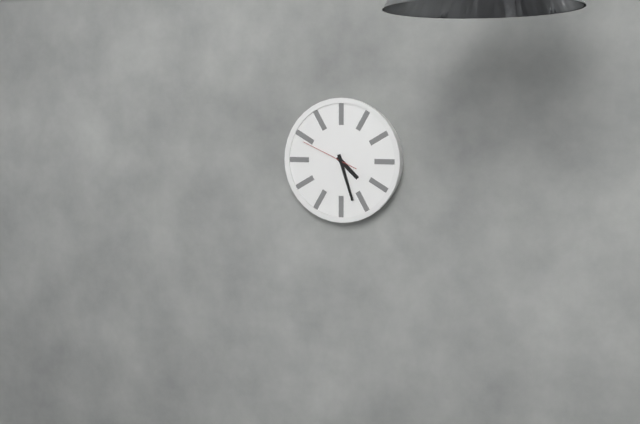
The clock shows **4:27:49**
